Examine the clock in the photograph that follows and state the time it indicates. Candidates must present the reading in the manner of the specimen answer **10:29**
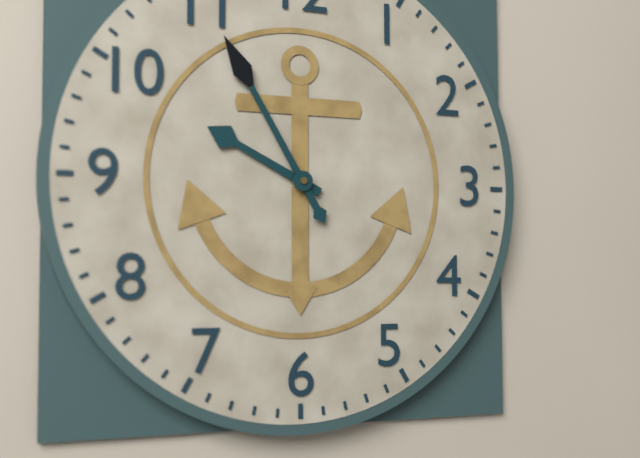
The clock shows **9:55**
